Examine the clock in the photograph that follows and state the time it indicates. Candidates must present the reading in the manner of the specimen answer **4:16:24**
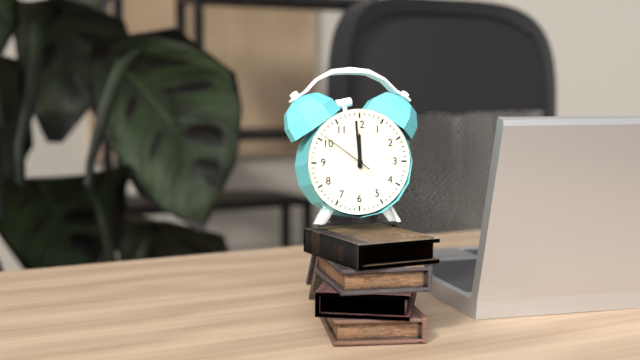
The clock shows **11:59:51**
